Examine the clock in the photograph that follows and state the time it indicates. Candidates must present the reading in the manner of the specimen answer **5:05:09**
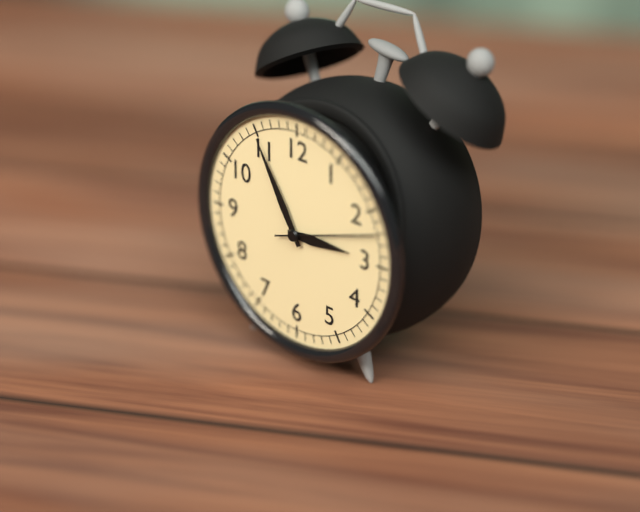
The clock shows **2:55:12**
